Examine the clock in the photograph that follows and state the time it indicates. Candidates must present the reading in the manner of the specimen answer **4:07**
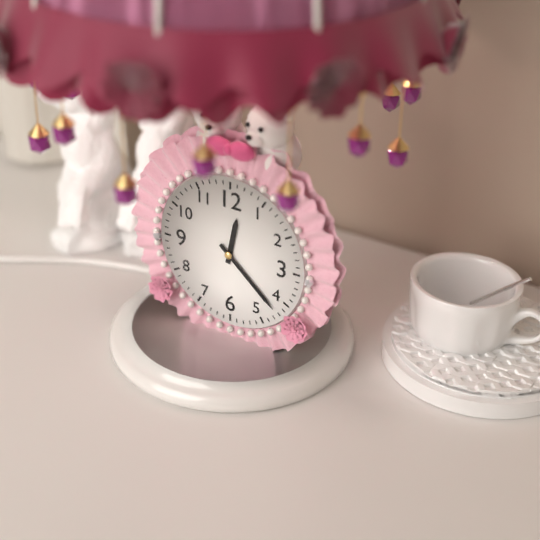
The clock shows **12:22**
